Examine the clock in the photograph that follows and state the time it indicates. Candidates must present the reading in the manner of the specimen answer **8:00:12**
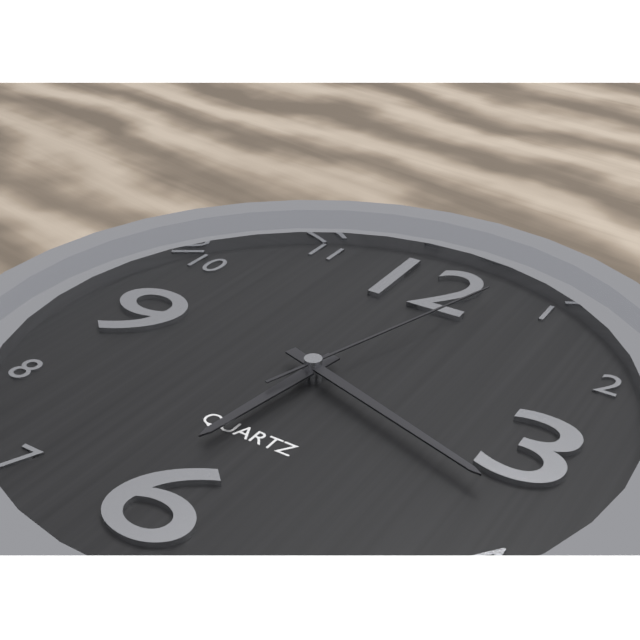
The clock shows **6:18:03**
